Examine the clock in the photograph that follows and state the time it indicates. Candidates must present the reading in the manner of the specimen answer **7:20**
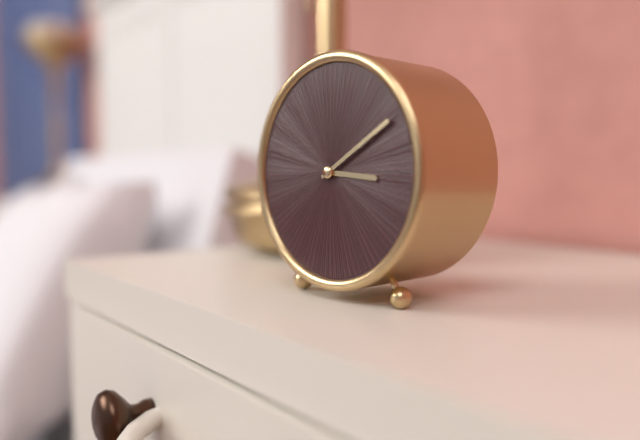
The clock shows **3:10**
